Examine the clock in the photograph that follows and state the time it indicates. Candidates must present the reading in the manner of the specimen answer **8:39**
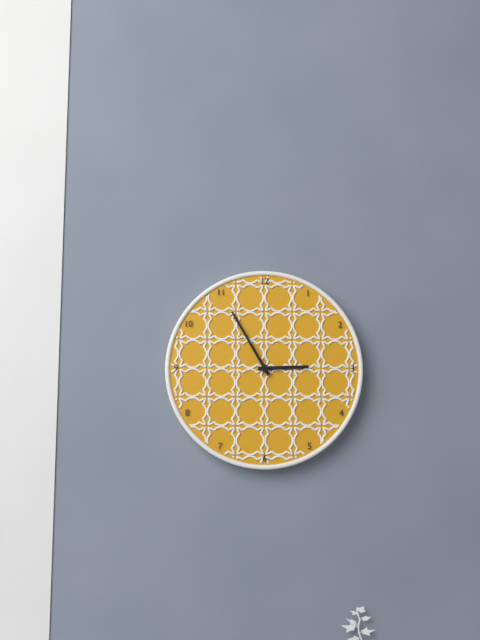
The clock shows **2:55**
